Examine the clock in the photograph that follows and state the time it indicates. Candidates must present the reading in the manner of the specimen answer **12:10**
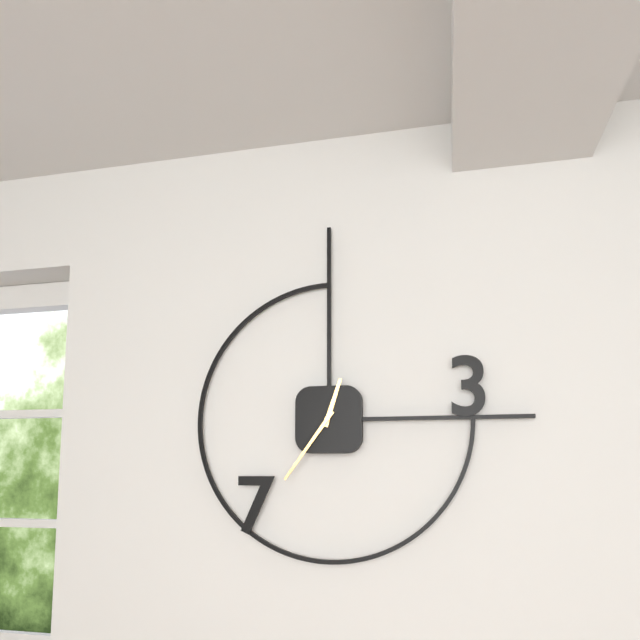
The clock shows **12:36**
